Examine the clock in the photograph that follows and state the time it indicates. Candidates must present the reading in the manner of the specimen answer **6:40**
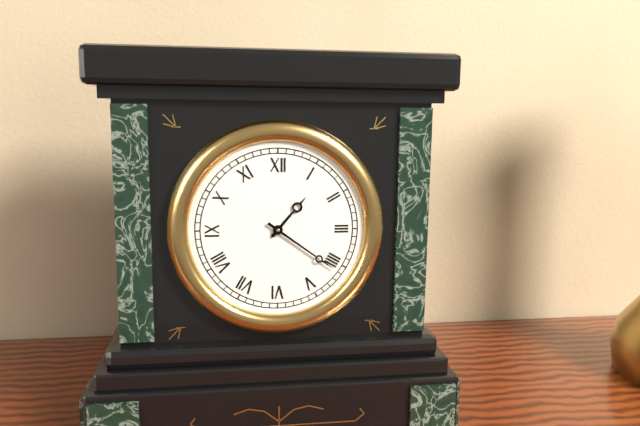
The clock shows **1:21**
